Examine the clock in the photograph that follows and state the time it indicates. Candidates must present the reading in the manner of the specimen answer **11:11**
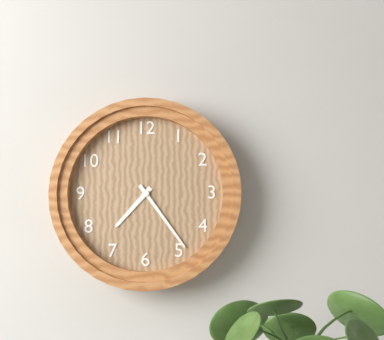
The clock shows **7:24**
